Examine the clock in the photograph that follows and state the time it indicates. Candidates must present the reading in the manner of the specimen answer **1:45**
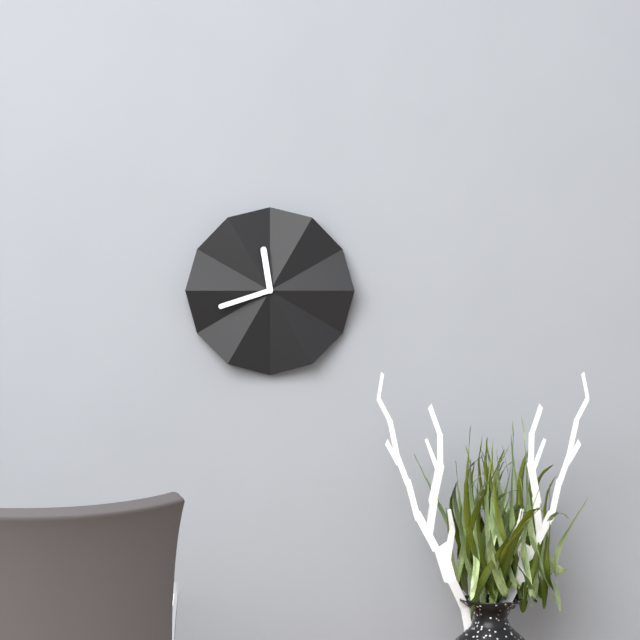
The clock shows **11:42**
